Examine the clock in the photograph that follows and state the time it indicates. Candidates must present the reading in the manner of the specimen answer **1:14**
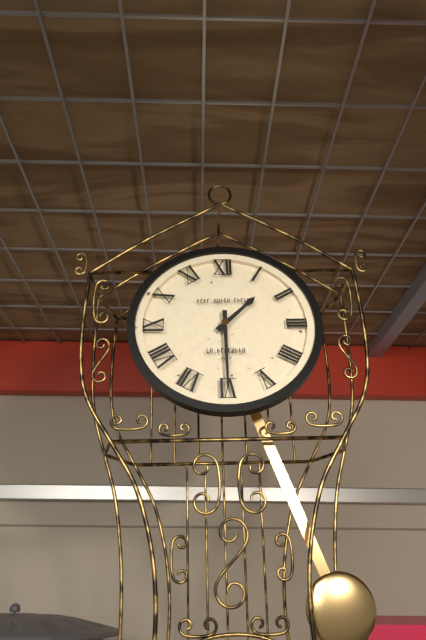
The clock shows **1:30**
